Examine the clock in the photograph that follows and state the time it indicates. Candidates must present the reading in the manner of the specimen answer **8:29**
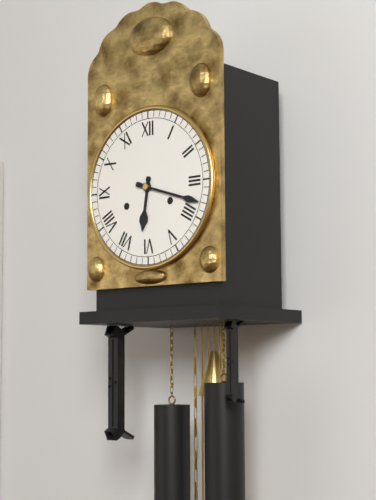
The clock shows **6:18**
